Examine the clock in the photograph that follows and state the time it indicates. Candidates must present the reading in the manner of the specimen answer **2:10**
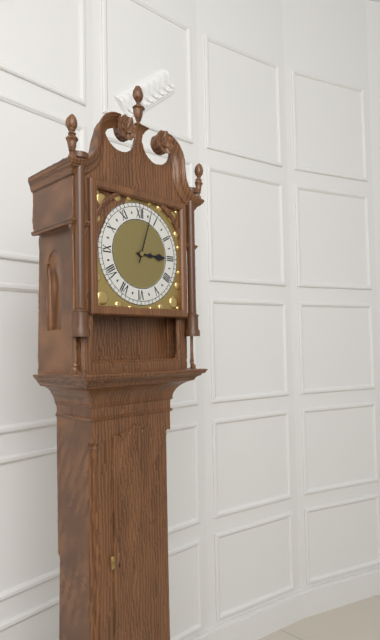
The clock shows **3:03**
